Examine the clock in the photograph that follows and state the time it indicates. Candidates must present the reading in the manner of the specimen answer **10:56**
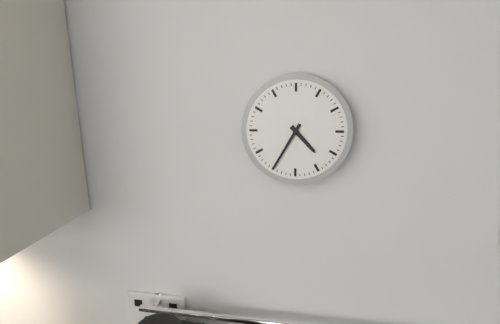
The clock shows **4:35**
